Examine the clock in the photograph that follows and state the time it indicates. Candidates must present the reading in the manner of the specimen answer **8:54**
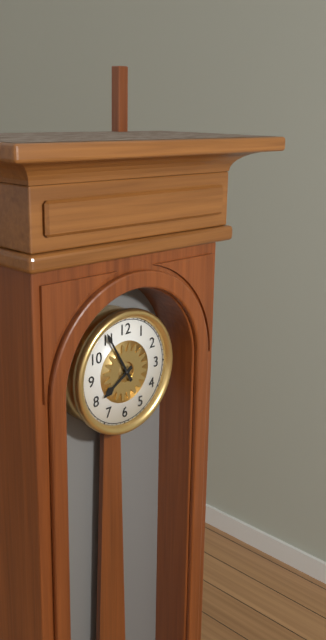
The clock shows **7:55**
